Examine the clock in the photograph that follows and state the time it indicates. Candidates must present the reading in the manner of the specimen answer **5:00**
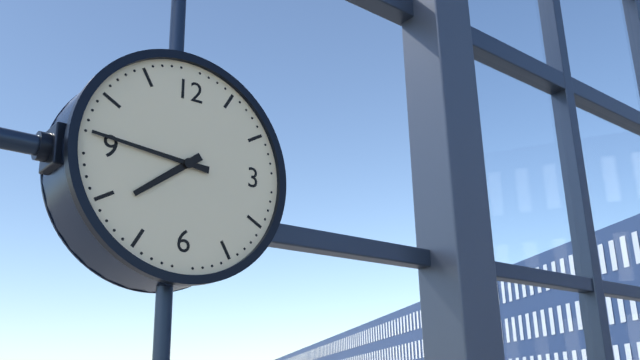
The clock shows **7:46**
